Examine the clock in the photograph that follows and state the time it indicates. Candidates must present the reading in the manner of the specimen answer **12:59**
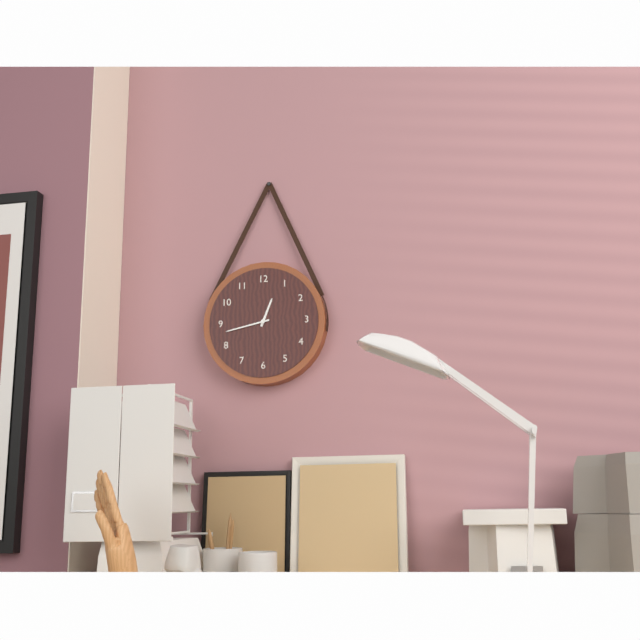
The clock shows **12:43**
